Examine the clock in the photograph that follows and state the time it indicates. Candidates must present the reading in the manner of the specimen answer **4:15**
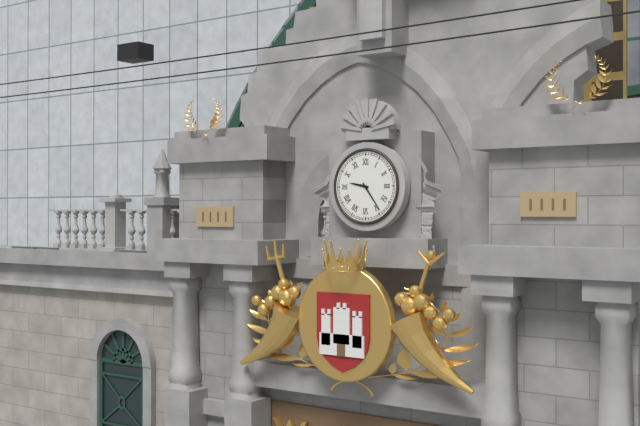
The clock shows **9:24**
